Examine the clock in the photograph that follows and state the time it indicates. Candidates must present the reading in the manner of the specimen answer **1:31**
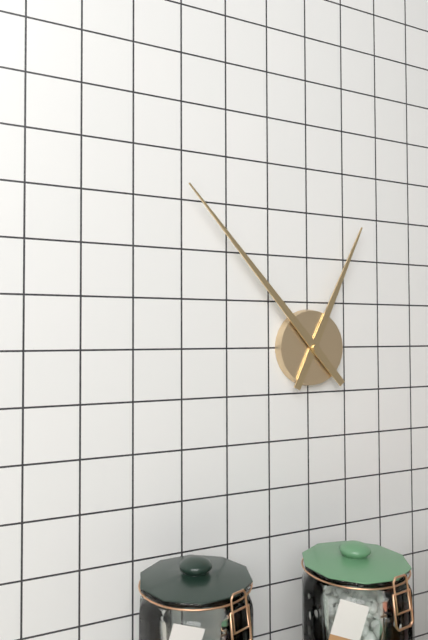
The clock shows **12:53**
